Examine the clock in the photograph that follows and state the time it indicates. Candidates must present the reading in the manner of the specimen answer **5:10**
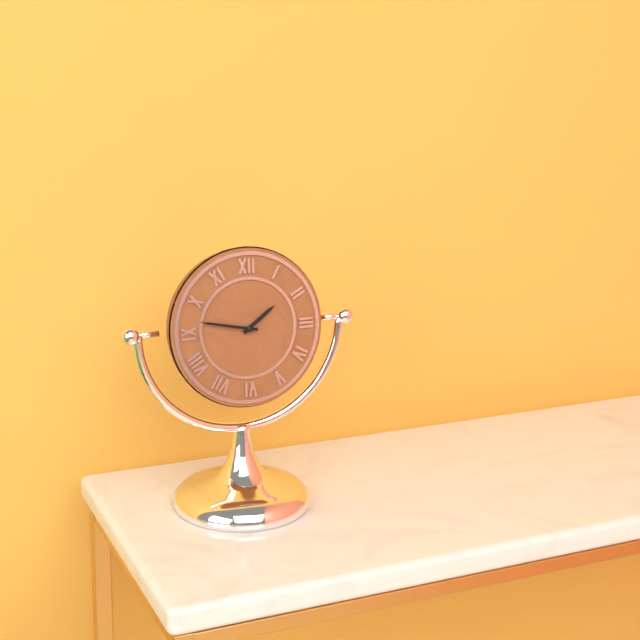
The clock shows **1:47**
